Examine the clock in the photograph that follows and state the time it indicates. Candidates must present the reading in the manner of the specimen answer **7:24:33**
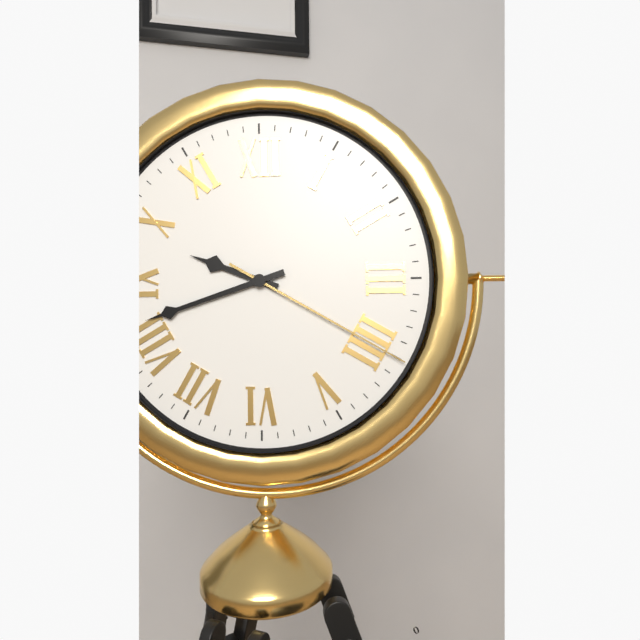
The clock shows **9:42:20**
